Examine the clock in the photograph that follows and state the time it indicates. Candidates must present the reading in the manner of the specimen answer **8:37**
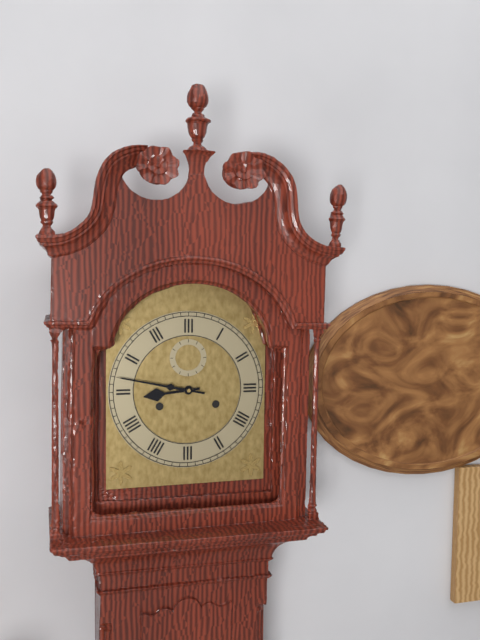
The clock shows **8:47**
